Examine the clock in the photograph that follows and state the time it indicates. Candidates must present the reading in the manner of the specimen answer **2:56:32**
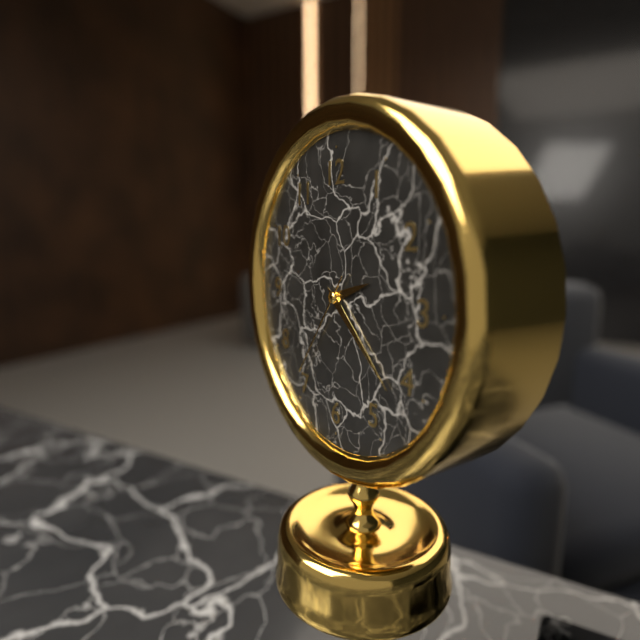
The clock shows **2:22:36**
